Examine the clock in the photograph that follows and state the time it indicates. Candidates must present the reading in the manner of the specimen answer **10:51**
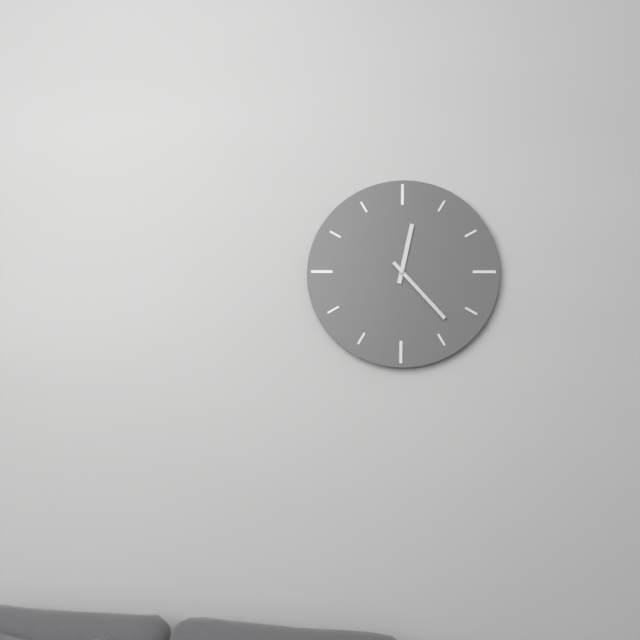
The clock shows **12:23**
